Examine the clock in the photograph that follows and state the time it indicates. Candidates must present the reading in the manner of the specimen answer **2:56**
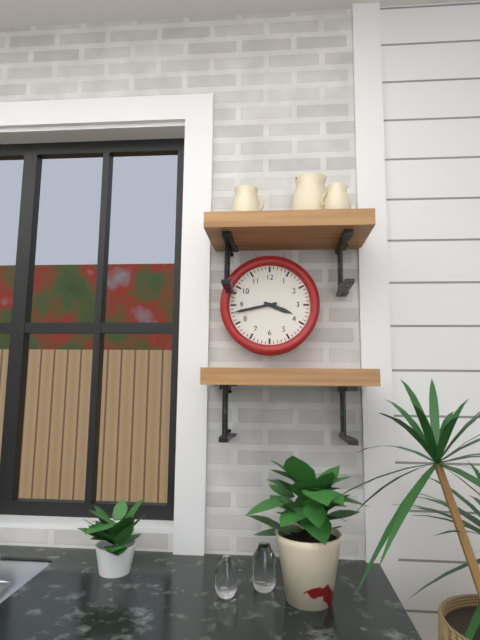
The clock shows **3:43**
